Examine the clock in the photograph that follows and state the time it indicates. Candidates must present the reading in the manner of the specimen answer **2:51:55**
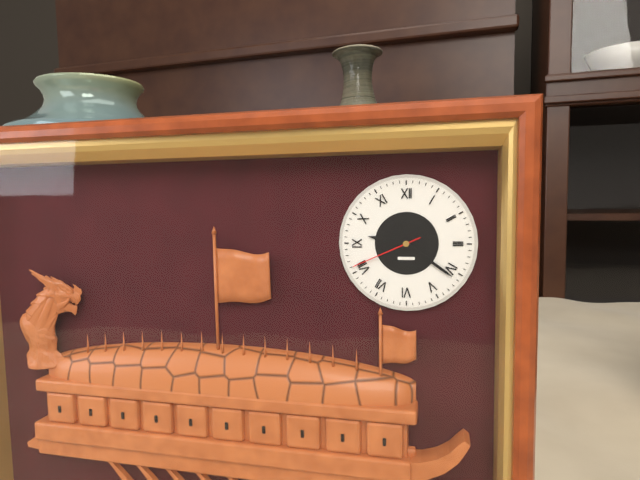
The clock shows **9:21:41**
